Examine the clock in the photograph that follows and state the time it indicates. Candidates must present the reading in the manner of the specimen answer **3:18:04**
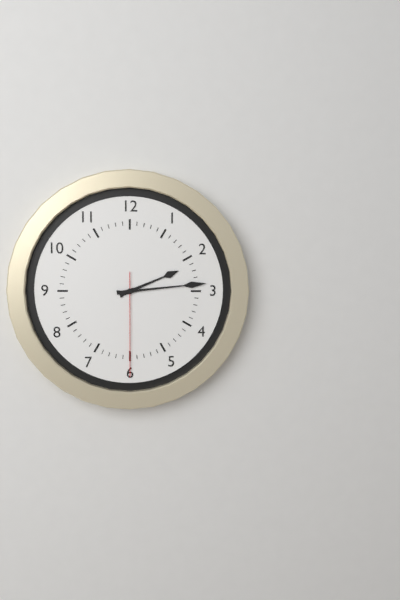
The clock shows **2:14:30**
